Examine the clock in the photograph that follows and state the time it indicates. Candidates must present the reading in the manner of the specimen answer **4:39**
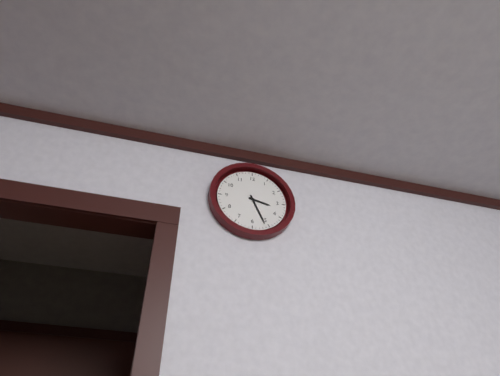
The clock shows **3:26**
